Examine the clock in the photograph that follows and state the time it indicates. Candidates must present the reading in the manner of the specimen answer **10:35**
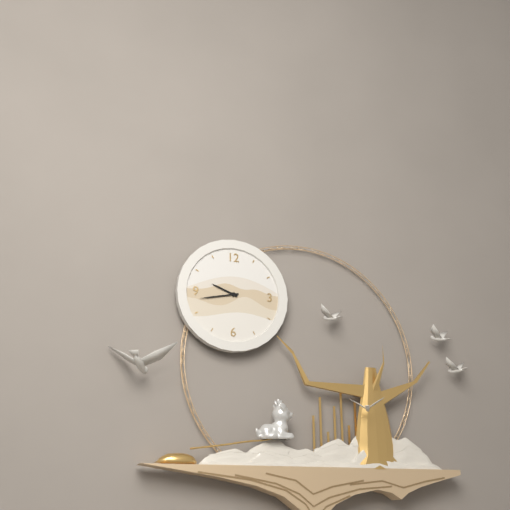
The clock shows **9:43**
